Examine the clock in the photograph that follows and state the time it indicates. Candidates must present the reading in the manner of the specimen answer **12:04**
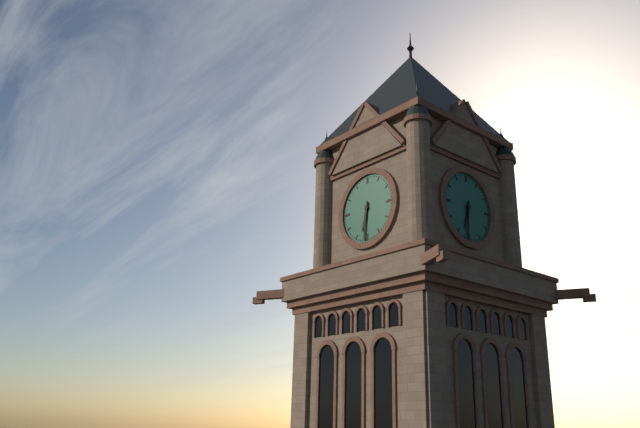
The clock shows **6:31**
